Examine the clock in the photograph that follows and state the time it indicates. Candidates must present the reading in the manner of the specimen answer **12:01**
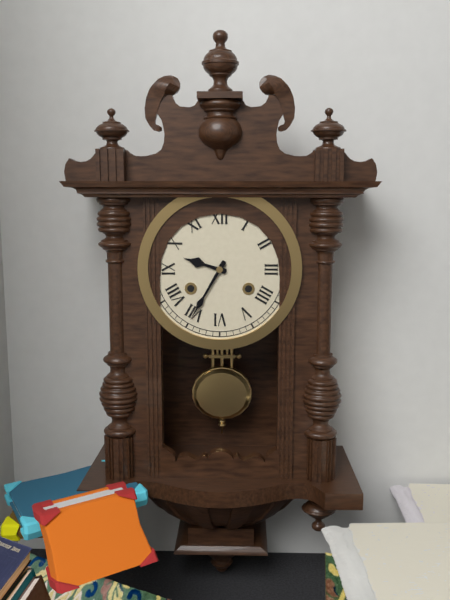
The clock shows **9:35**
